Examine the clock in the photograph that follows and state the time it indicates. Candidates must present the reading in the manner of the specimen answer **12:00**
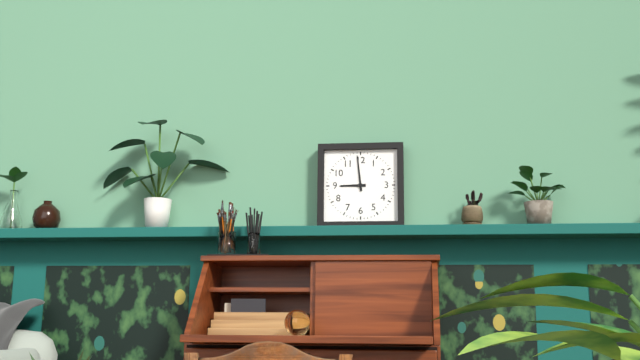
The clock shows **8:59**
